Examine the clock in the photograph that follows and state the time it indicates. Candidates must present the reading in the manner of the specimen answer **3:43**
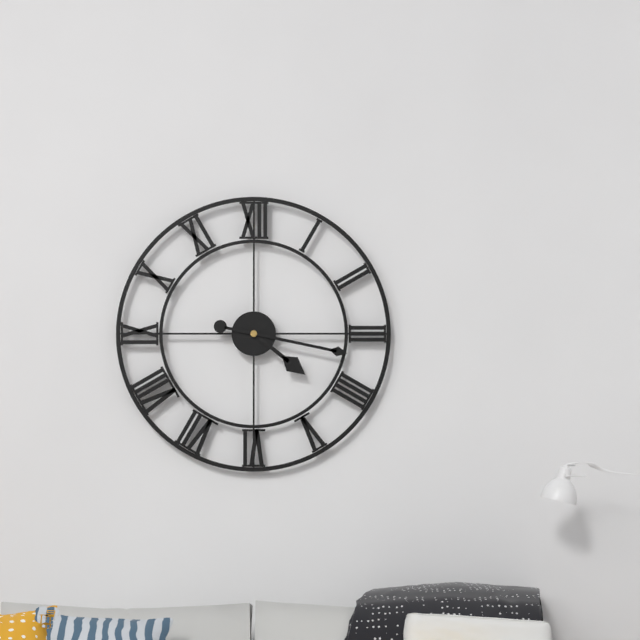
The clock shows **4:17**
